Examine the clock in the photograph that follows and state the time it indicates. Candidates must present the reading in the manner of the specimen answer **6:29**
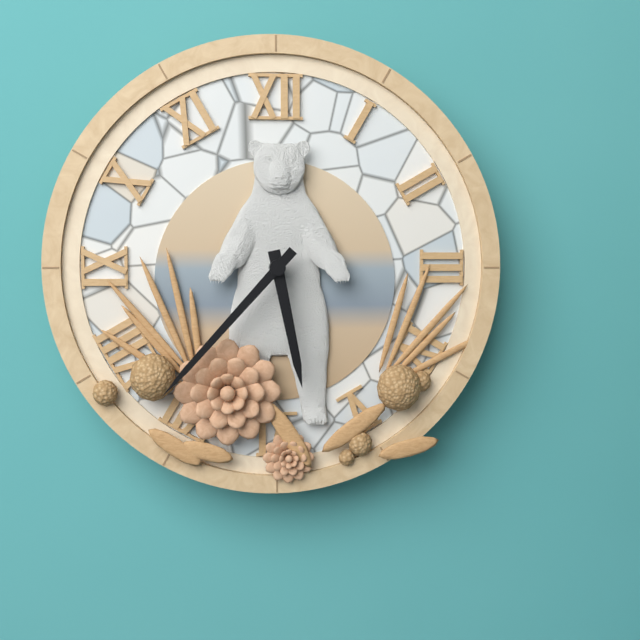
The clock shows **5:37**
